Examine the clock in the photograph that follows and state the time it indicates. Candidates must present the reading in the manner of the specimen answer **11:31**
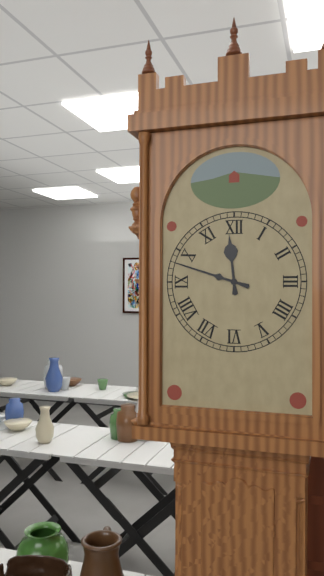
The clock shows **11:48**
